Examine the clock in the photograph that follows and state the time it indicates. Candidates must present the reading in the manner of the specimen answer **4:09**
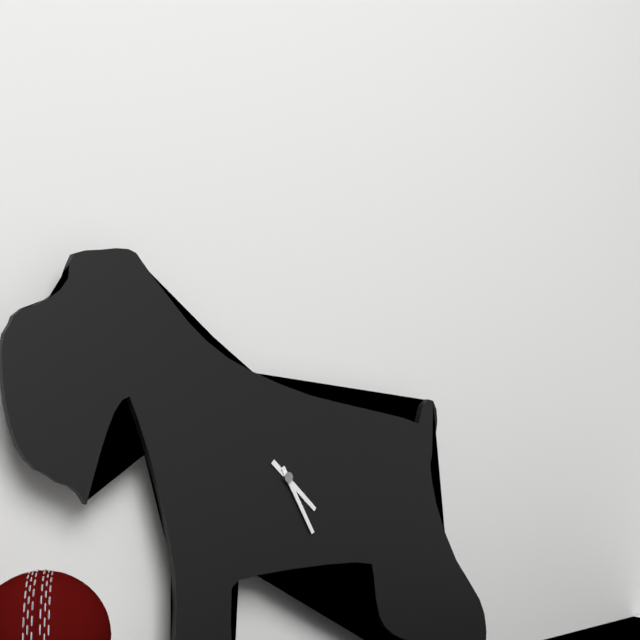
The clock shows **4:25**
